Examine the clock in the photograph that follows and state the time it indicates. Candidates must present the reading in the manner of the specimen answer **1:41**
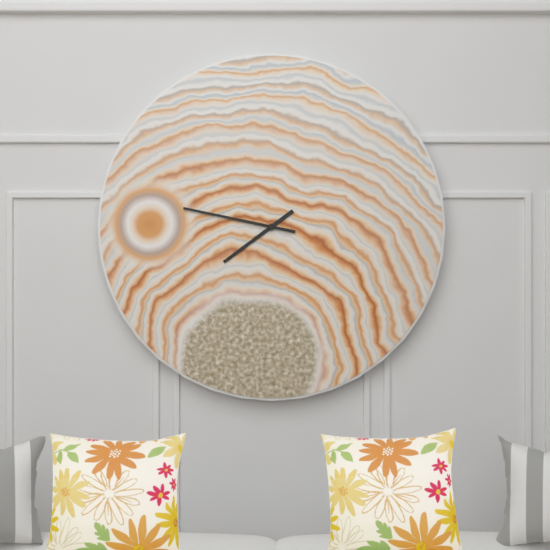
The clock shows **7:47**
